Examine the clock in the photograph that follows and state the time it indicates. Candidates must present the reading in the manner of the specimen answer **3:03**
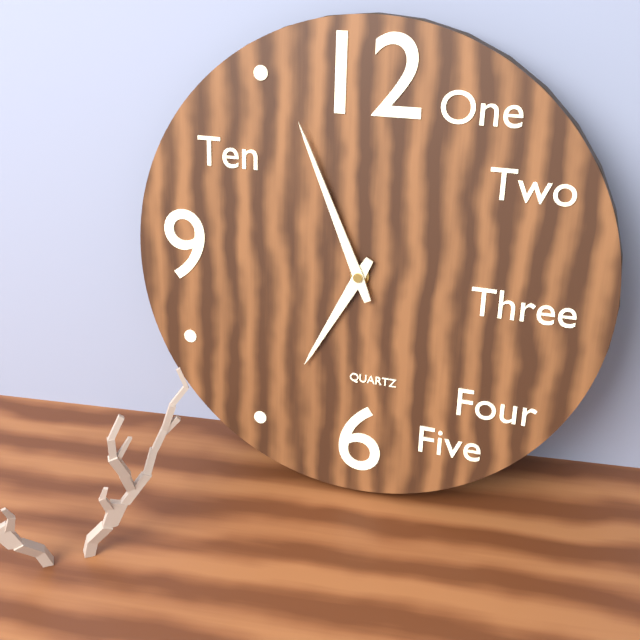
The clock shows **6:56**
